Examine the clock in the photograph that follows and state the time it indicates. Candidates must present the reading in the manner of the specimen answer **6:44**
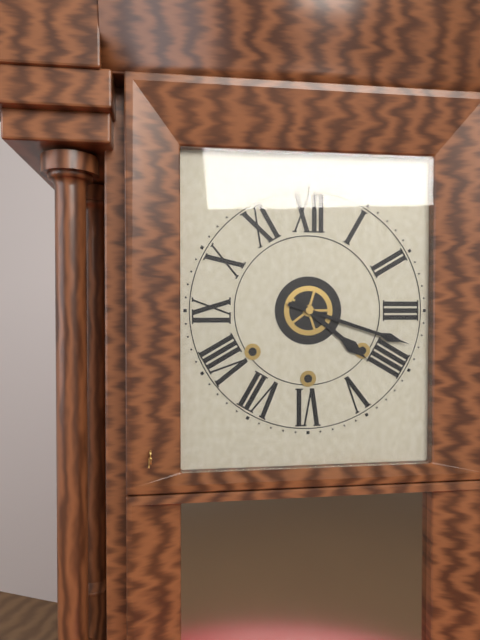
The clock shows **4:18**
